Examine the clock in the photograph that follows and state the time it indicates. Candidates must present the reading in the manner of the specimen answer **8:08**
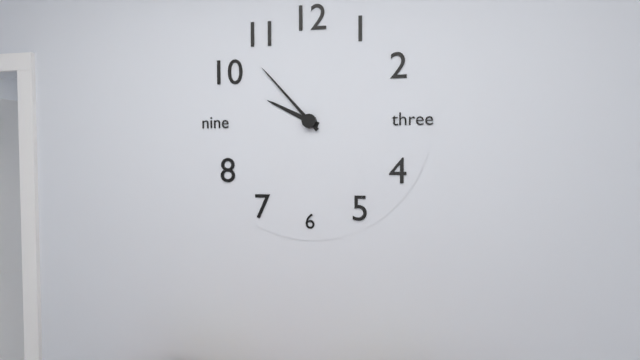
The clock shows **9:53**
